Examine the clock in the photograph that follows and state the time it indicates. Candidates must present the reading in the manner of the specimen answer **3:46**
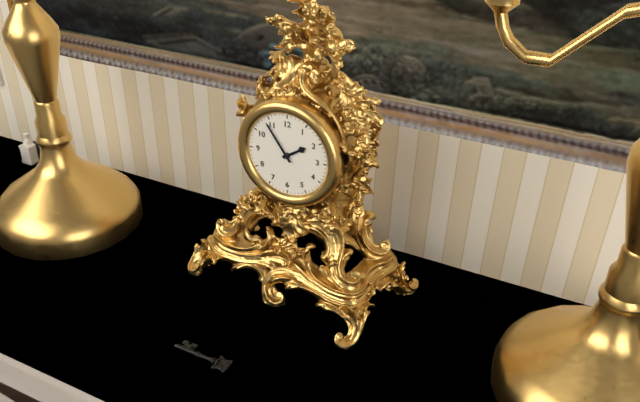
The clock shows **1:54**
